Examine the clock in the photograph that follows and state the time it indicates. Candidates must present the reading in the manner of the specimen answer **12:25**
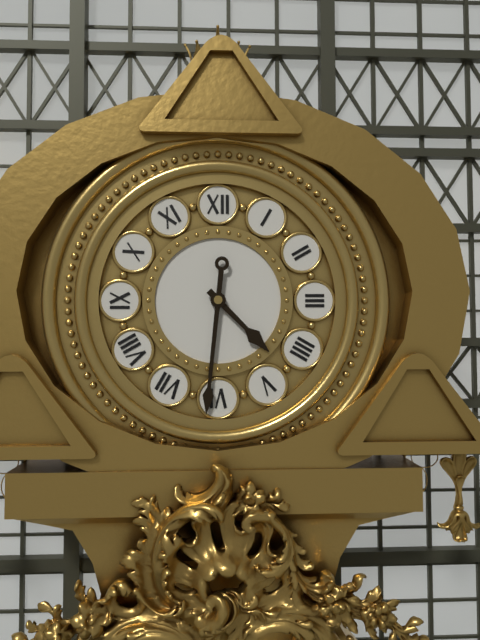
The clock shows **4:31**
